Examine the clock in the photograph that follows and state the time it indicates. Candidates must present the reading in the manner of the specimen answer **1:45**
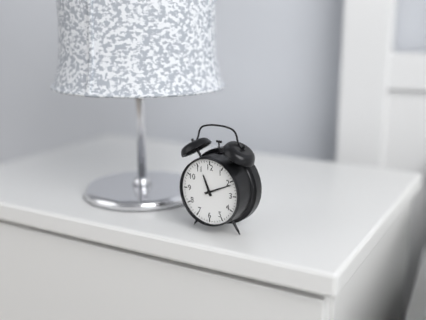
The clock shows **11:11**
